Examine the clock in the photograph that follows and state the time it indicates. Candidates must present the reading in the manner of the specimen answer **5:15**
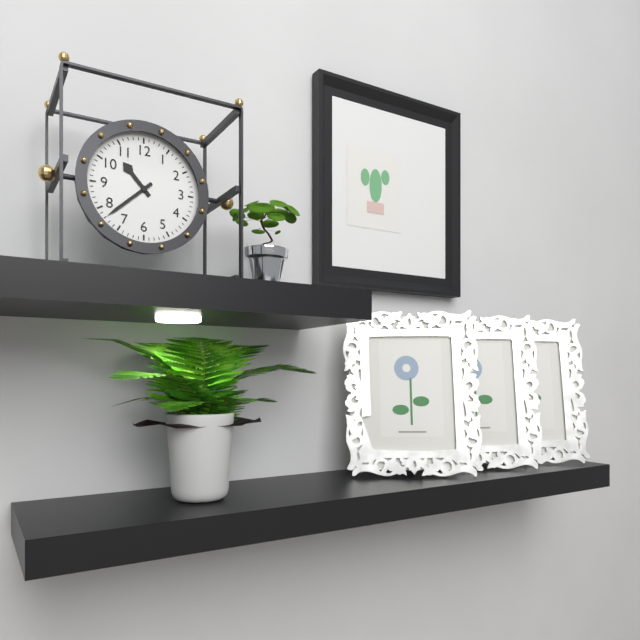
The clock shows **10:38**
